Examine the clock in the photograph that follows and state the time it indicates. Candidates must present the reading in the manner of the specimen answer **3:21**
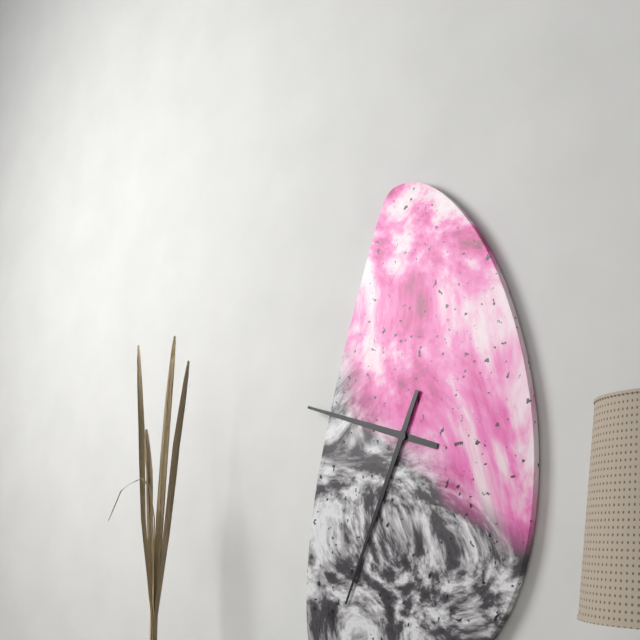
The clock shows **9:34**
